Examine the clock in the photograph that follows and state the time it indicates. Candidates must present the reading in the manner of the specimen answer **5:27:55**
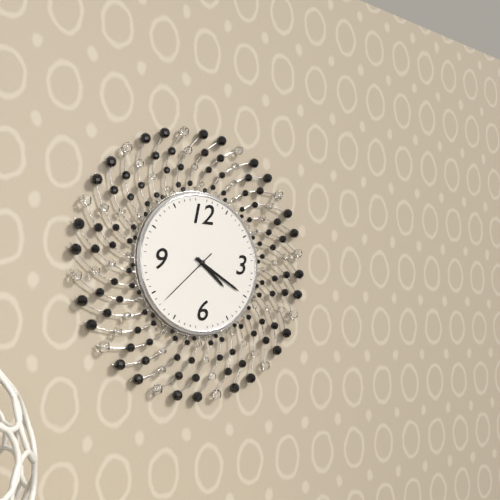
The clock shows **4:20:38**
